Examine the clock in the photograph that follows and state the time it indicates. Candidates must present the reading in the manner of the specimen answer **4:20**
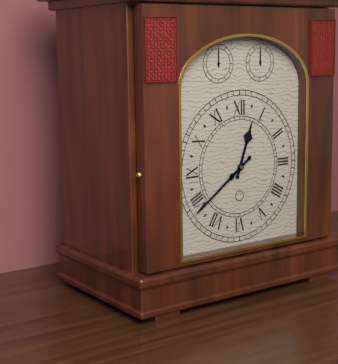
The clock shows **12:39**
